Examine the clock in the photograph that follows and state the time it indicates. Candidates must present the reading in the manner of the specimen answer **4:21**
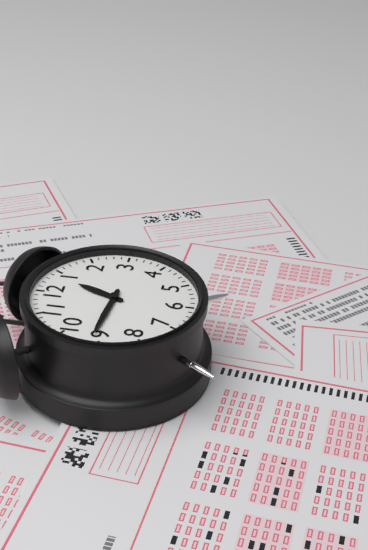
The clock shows **12:46**
